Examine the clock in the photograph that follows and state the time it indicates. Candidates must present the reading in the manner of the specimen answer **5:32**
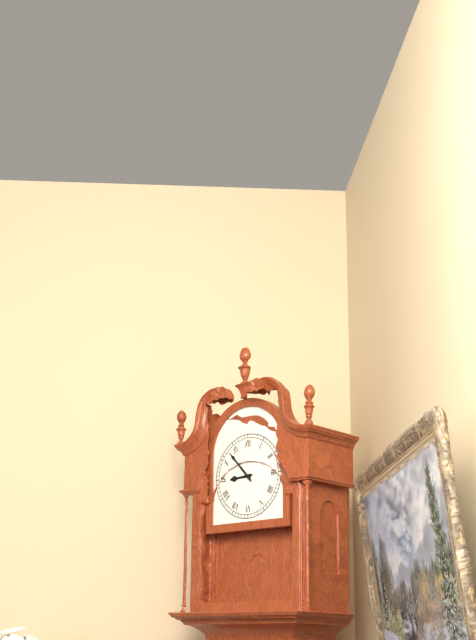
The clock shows **8:53**
